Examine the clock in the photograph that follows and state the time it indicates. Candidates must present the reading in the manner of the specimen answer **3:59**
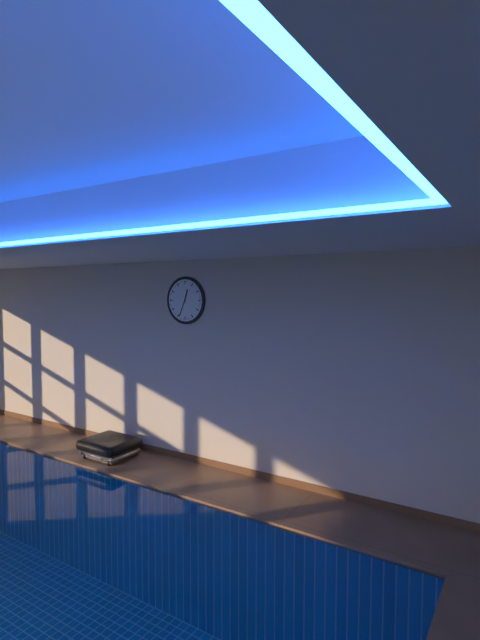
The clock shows **12:34**
